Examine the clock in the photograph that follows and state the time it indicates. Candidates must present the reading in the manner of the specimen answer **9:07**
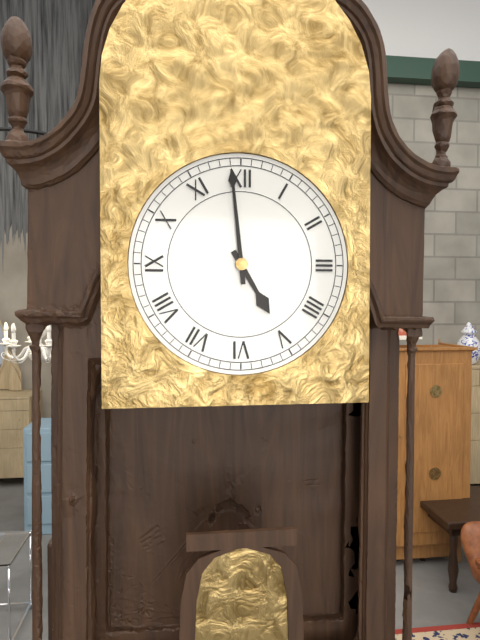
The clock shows **4:59**
